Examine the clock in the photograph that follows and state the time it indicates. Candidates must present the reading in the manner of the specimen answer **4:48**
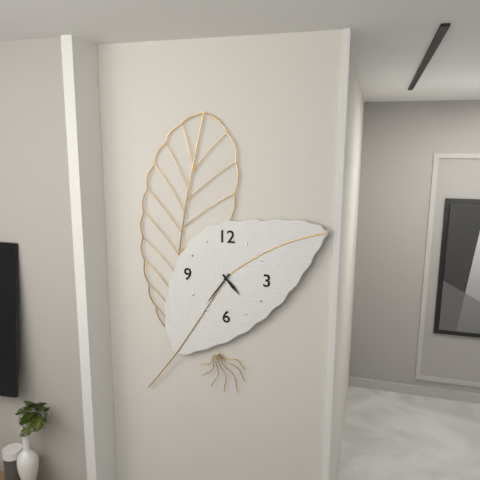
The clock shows **4:36**
